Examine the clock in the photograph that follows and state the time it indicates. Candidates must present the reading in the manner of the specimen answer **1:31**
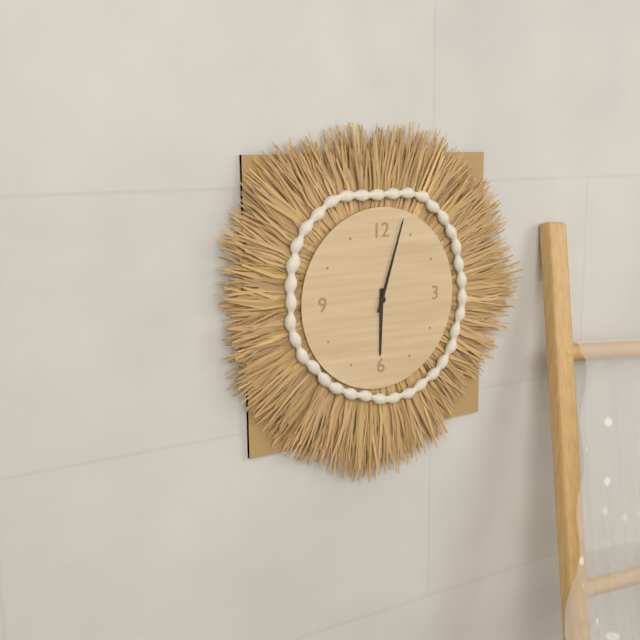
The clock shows **6:03**
